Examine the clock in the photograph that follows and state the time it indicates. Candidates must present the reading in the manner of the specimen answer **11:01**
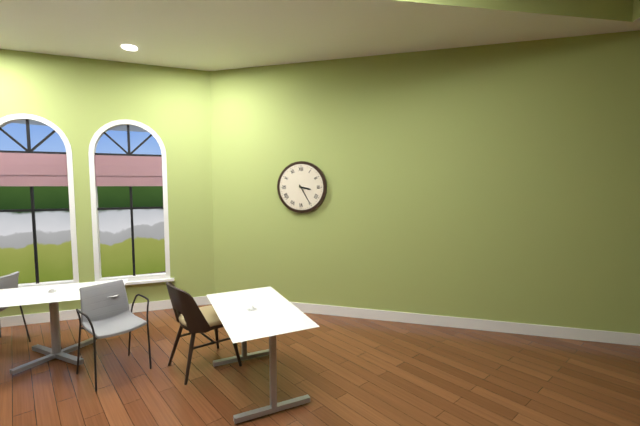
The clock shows **3:25**
